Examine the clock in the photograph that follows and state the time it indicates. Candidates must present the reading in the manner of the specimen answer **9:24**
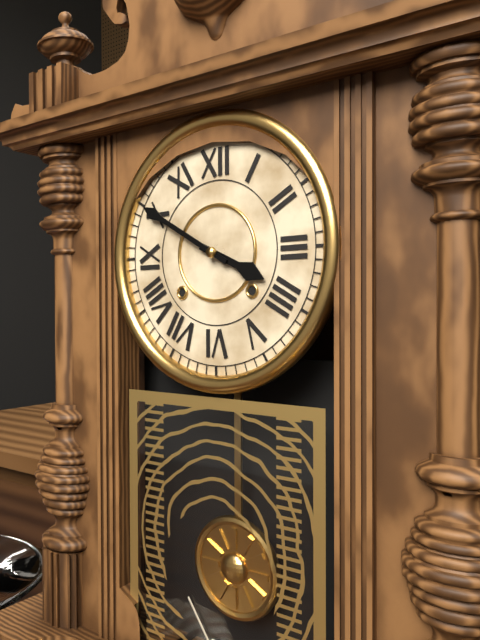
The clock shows **3:50**
